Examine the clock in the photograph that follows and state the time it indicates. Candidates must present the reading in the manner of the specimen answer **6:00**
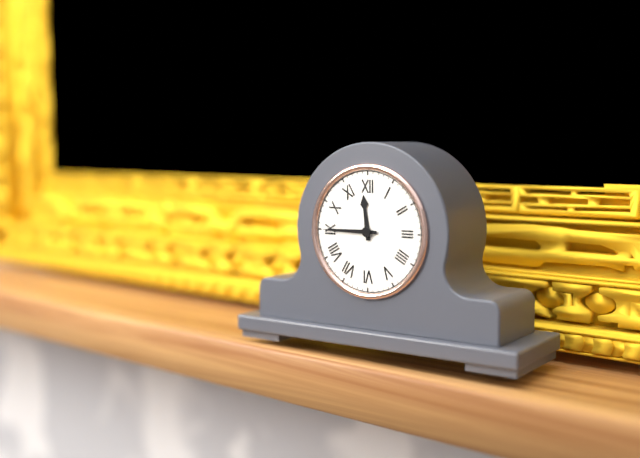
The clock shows **11:45**
